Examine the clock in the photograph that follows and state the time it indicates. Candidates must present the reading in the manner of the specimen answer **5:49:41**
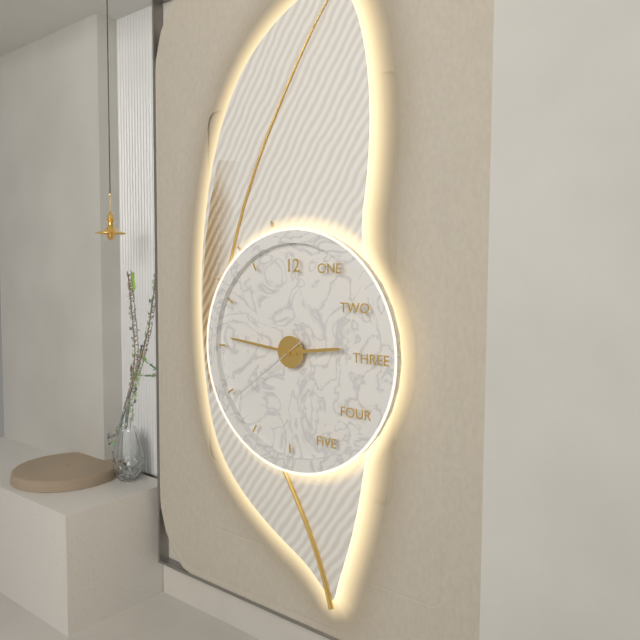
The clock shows **2:46:39**
